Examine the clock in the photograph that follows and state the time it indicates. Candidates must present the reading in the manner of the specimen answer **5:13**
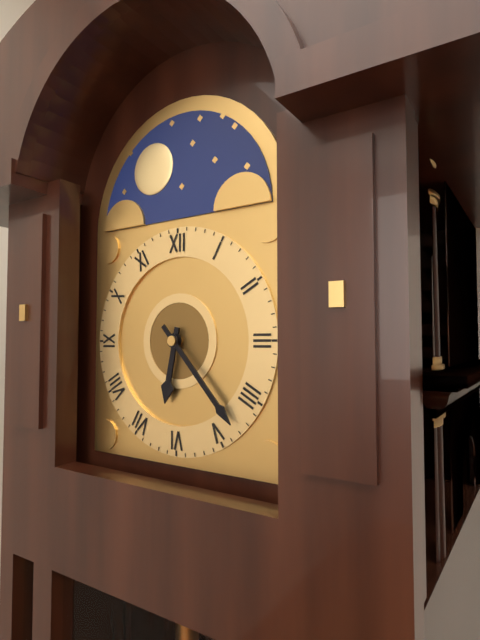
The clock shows **6:23**
